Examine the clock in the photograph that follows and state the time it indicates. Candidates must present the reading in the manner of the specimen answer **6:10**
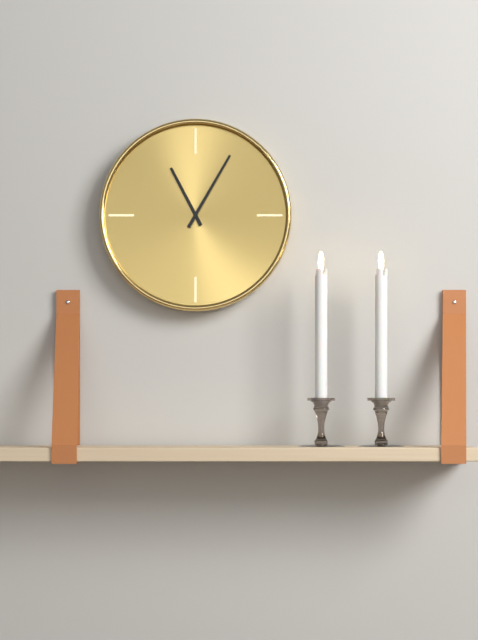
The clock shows **11:05**
